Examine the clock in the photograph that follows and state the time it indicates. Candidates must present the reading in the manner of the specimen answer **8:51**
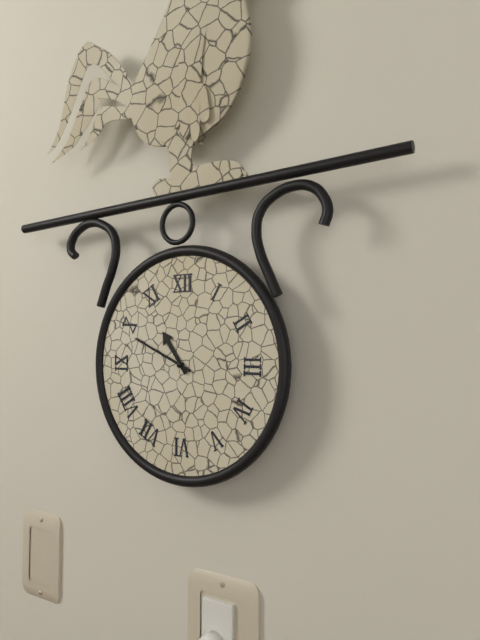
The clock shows **10:49**
